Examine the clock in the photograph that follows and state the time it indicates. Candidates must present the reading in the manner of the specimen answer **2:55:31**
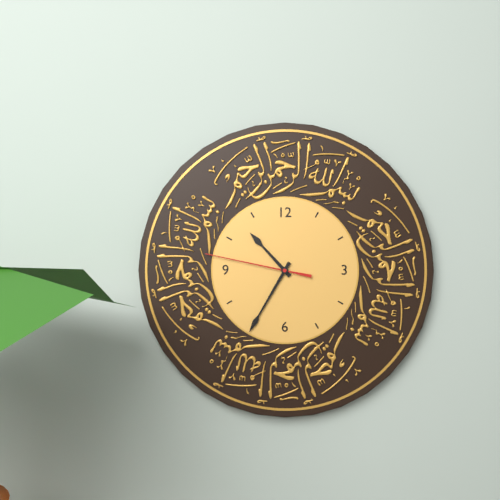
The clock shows **10:35:47**
